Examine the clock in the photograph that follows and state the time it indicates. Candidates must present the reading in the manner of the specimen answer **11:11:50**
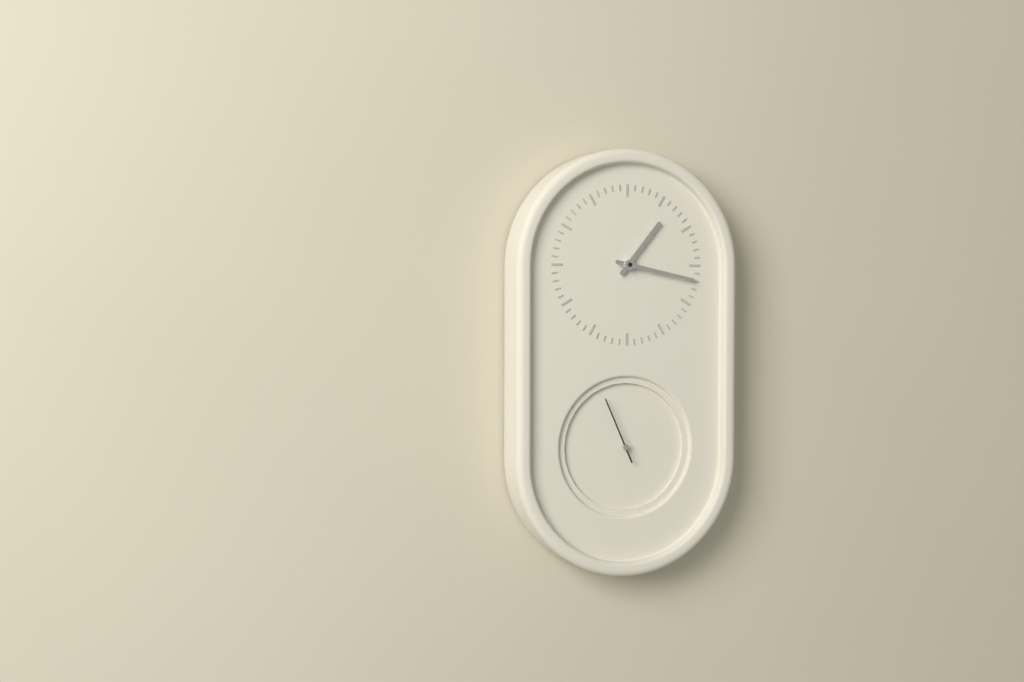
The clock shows **1:17:56**
